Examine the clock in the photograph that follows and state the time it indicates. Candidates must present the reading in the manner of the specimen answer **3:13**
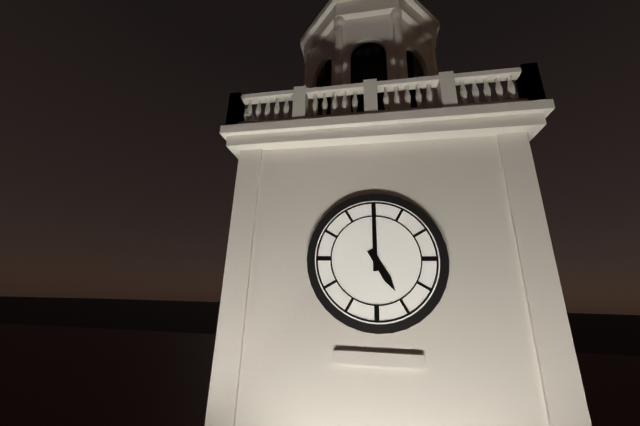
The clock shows **5:00**
